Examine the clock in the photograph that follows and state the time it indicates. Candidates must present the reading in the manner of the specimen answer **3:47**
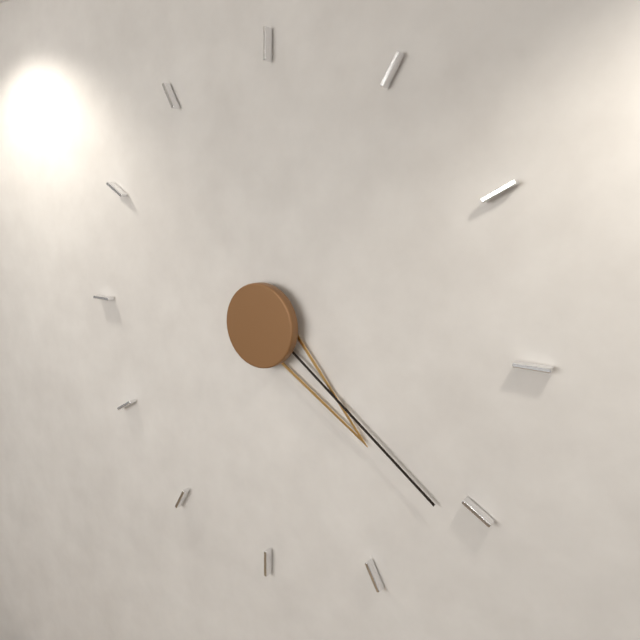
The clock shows **4:21**
